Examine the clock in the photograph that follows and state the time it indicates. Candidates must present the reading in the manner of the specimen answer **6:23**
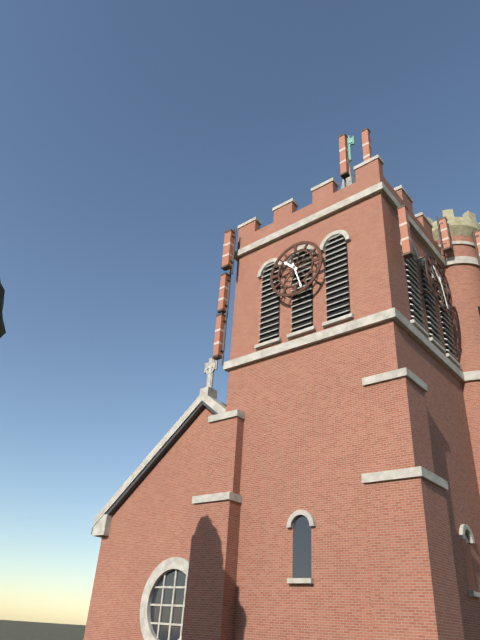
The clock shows **10:27**
